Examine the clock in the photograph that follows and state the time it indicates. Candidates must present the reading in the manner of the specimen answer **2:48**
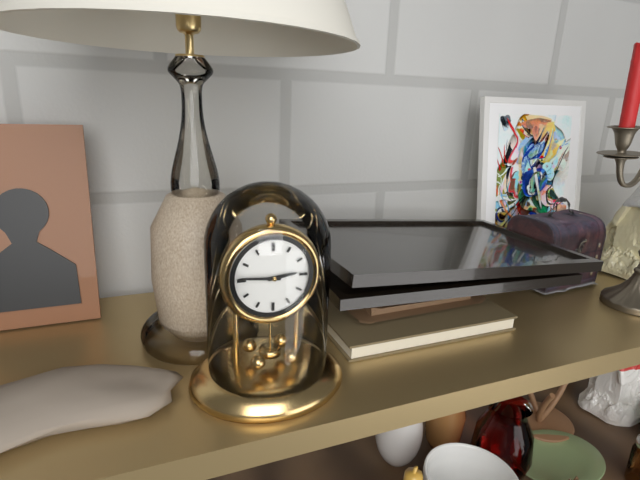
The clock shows **2:46**
